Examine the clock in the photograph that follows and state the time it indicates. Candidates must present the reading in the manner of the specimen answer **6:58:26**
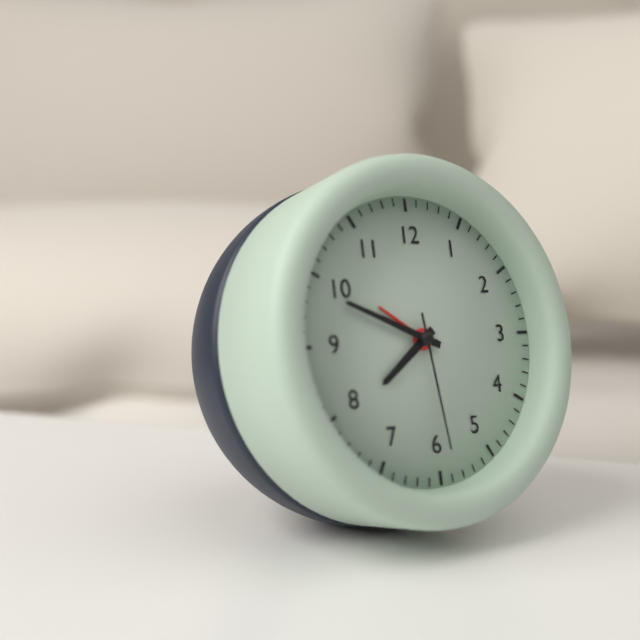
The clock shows **7:49:29**
